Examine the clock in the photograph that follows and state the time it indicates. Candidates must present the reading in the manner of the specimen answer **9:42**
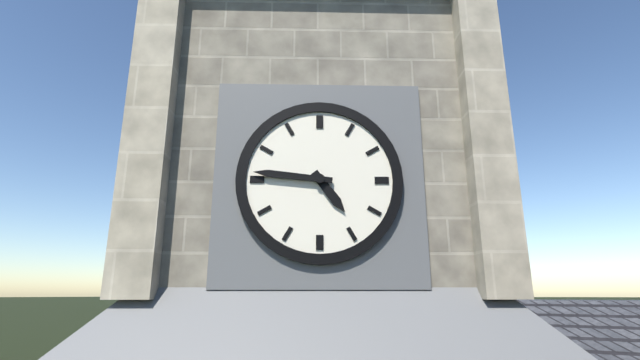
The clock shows **4:46**
